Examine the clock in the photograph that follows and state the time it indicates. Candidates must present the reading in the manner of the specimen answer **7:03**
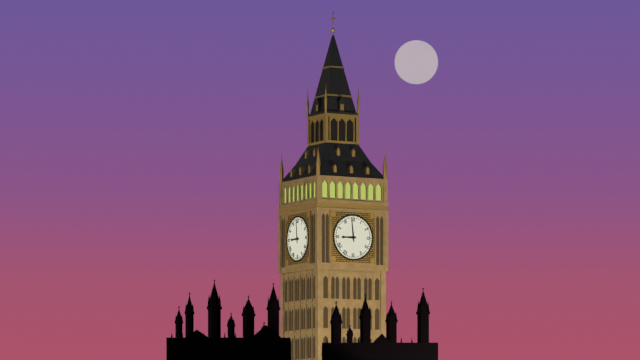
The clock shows **8:59**
